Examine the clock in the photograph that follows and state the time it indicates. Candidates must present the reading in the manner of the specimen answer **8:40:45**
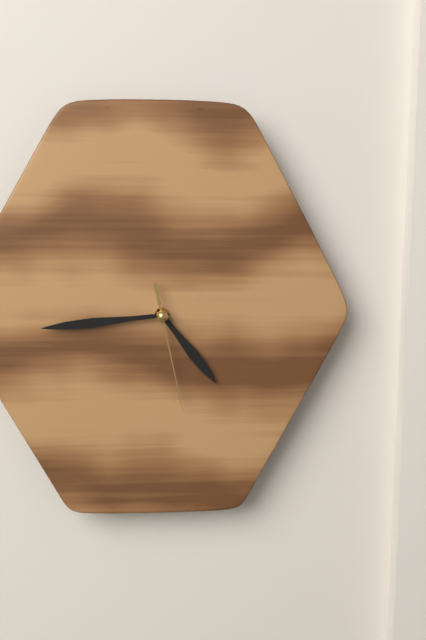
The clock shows **4:44:28**
